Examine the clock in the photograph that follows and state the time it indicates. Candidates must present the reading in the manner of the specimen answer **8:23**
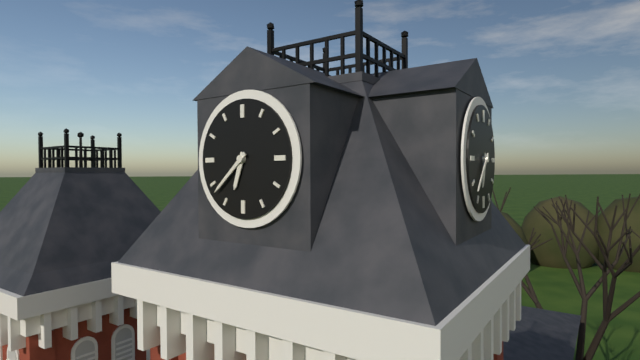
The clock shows **6:38**
